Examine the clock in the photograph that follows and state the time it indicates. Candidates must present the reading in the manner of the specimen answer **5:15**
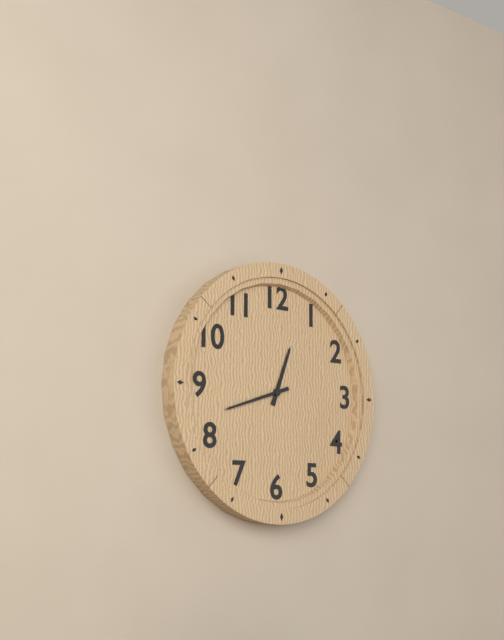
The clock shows **12:42**
